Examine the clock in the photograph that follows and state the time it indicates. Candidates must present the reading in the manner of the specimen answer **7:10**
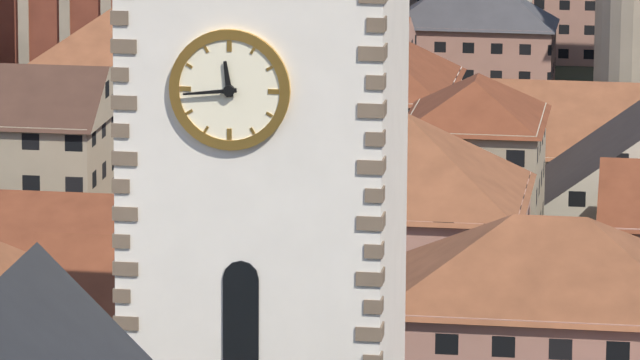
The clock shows **11:44**
